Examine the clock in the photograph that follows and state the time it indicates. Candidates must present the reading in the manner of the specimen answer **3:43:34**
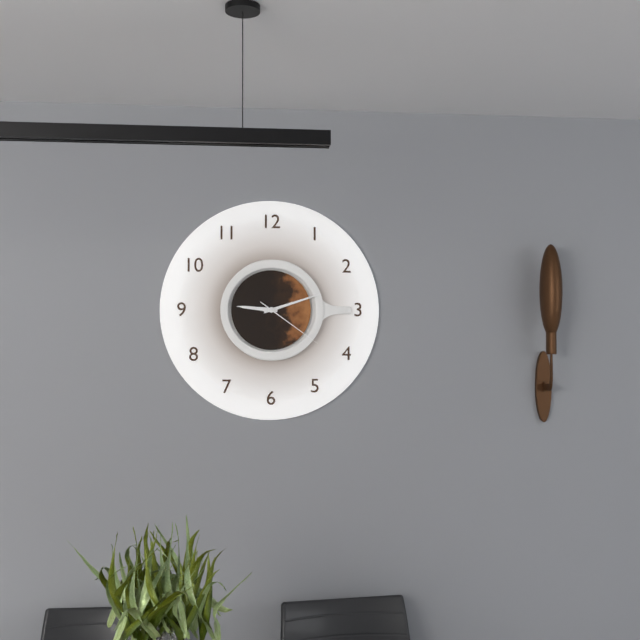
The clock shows **9:12:21**
